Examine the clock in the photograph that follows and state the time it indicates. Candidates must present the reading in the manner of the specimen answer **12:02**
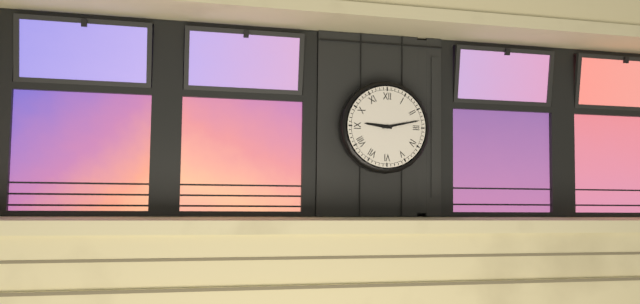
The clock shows **9:13**
